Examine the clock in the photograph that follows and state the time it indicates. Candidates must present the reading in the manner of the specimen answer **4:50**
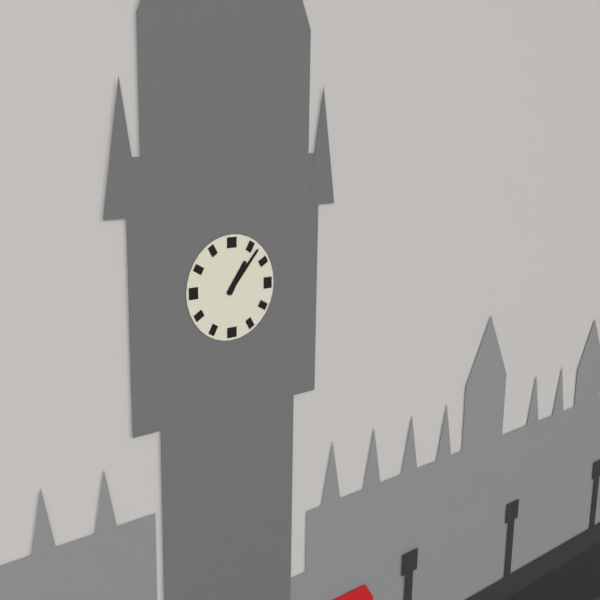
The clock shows **1:07**
